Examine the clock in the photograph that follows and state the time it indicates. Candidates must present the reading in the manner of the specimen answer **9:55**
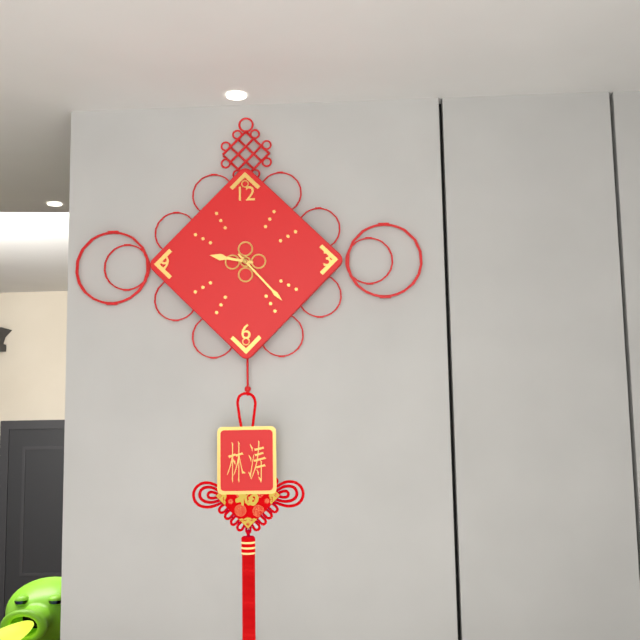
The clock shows **9:23**
